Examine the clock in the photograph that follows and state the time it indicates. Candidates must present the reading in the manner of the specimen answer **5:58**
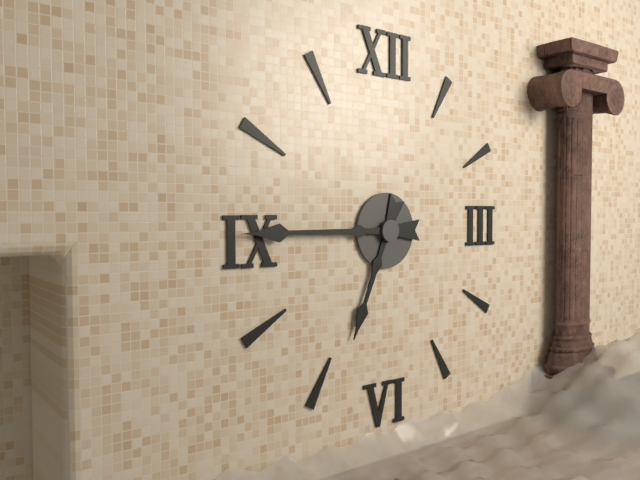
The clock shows **6:45**
